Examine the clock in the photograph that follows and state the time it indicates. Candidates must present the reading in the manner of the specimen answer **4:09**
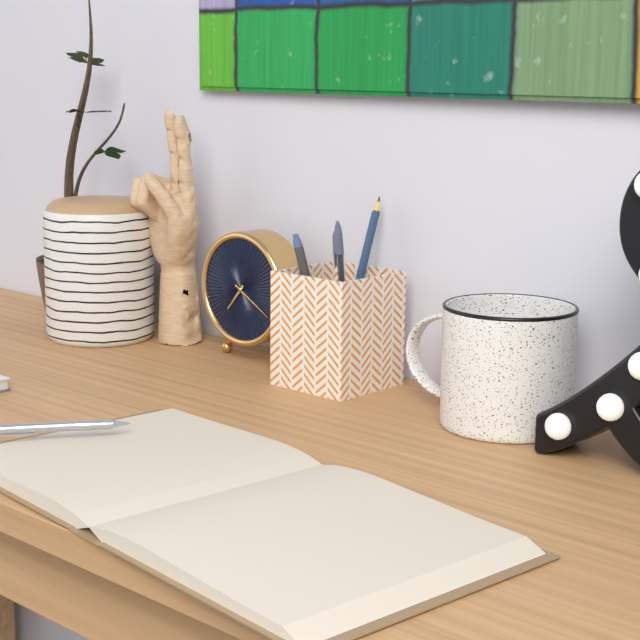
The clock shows **7:20**
